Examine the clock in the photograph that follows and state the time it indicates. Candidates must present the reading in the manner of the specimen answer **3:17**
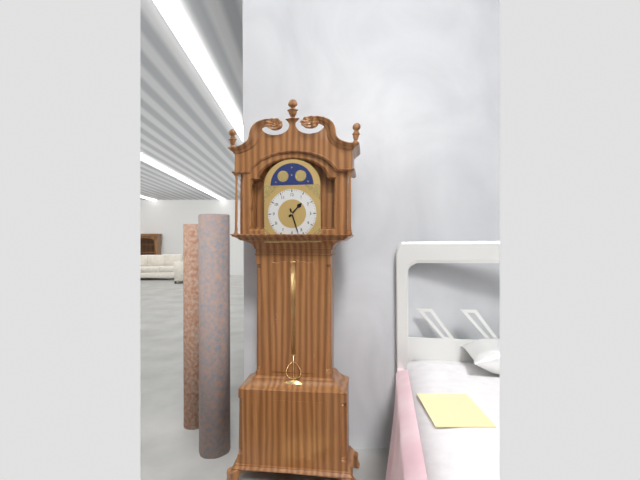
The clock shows **1:27**
